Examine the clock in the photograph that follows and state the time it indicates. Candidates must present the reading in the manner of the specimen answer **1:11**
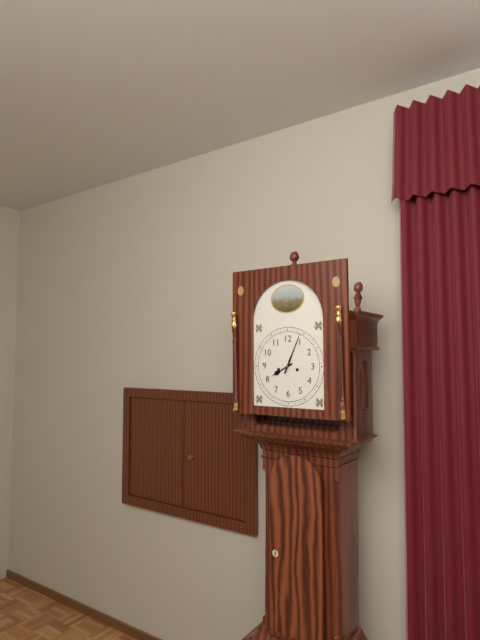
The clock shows **8:04**
